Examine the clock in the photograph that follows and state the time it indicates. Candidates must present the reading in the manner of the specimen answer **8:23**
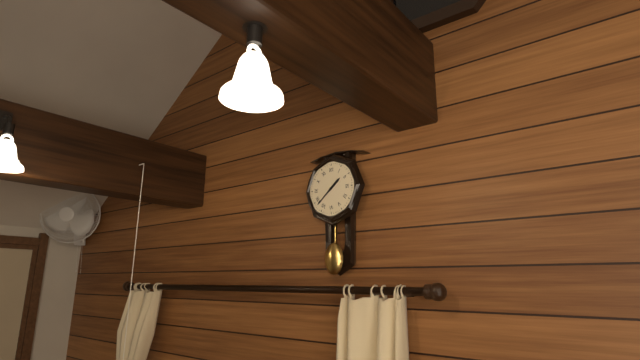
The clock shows **1:38**
